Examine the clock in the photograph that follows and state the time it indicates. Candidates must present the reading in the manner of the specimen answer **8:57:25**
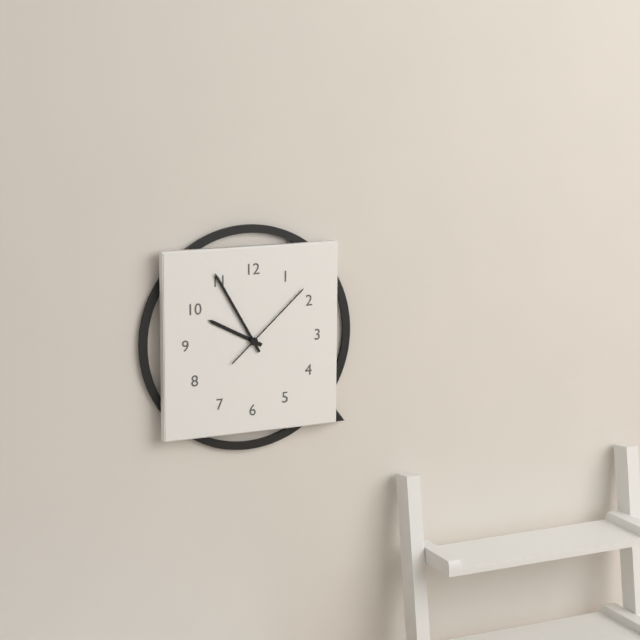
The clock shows **9:55:08**
